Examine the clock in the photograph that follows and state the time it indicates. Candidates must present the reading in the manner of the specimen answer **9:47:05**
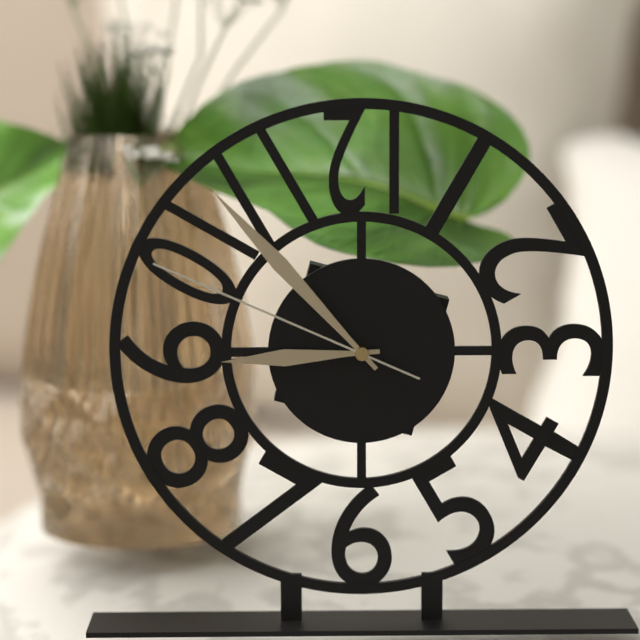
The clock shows **8:53:49**
